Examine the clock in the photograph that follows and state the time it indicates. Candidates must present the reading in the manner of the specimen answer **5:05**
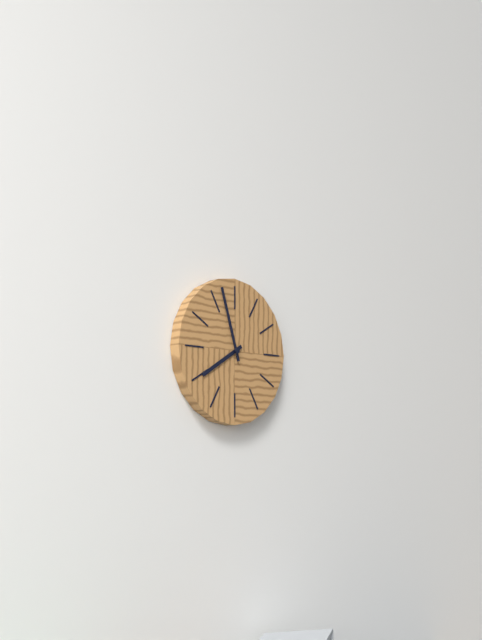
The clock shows **7:57**
